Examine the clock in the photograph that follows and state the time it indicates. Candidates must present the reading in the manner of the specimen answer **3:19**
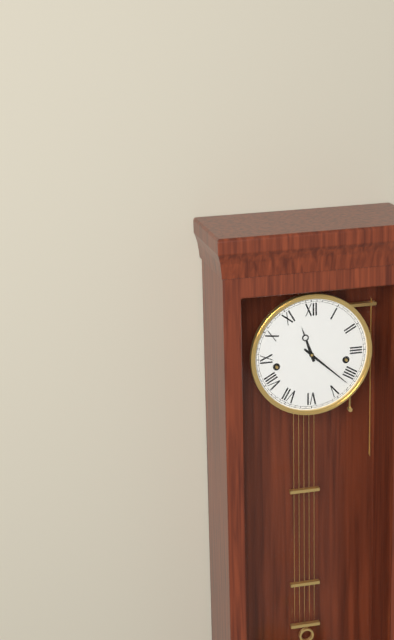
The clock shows **11:22**
